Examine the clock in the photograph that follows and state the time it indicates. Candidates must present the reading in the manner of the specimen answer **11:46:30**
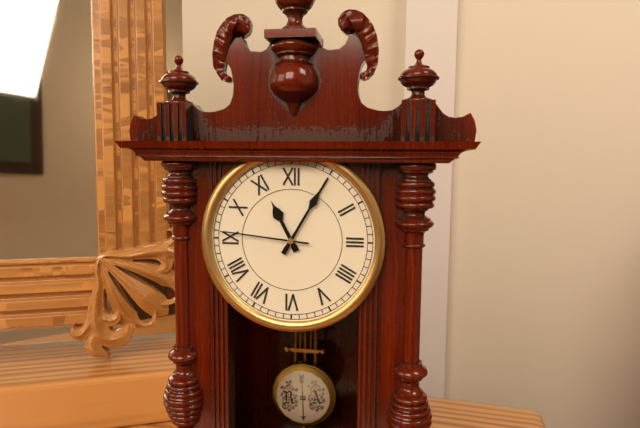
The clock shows **11:05:46**
